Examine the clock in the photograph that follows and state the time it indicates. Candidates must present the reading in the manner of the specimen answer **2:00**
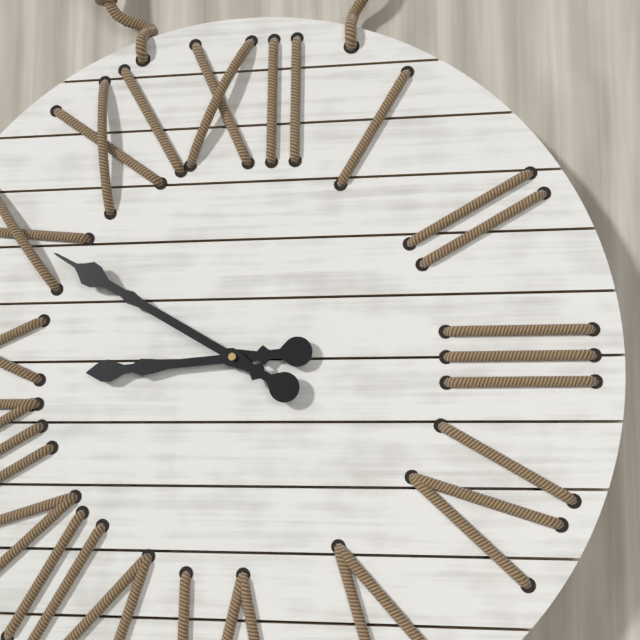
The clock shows **8:50**
